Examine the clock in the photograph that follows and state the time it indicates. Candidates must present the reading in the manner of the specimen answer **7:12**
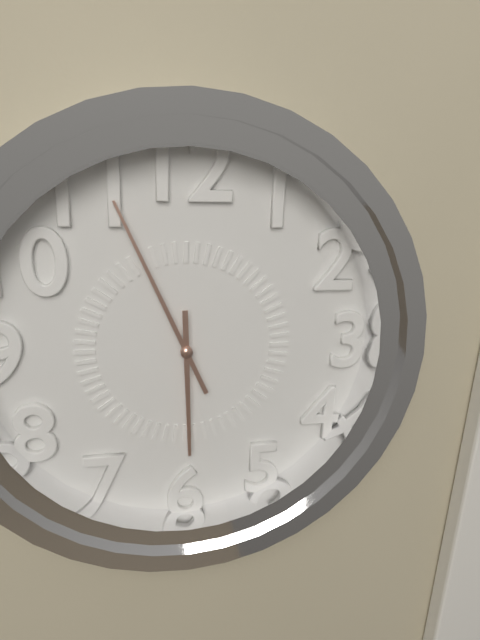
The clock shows **5:56**
